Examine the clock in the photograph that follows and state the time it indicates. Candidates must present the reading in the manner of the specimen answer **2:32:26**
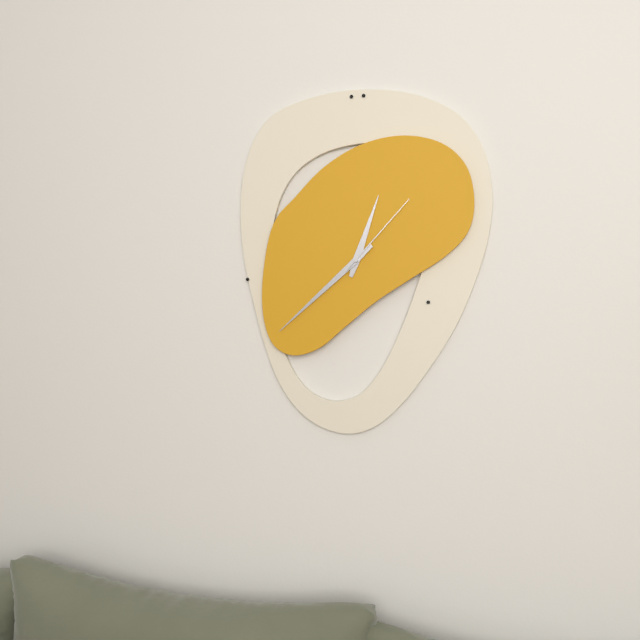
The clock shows **12:38:07**
